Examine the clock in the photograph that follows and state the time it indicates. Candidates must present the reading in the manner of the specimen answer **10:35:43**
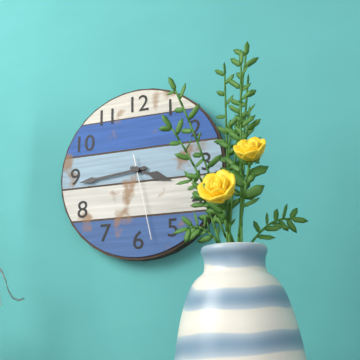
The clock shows **3:44:28**
